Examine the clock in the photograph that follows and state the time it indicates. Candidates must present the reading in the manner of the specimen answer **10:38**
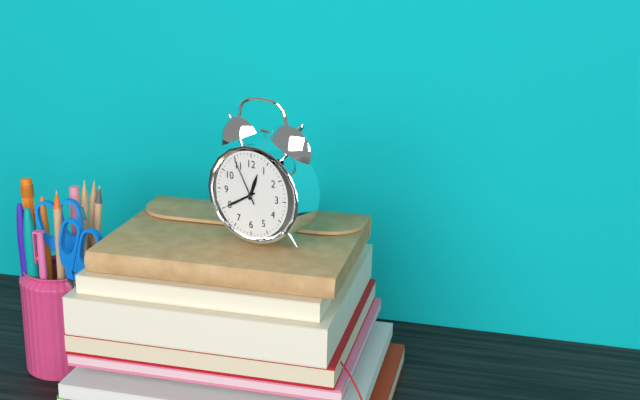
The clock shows **12:40**
